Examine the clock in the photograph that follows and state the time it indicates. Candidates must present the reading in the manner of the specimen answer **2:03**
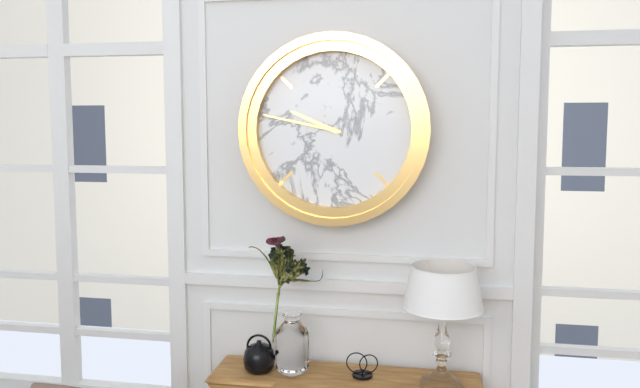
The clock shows **9:47**
